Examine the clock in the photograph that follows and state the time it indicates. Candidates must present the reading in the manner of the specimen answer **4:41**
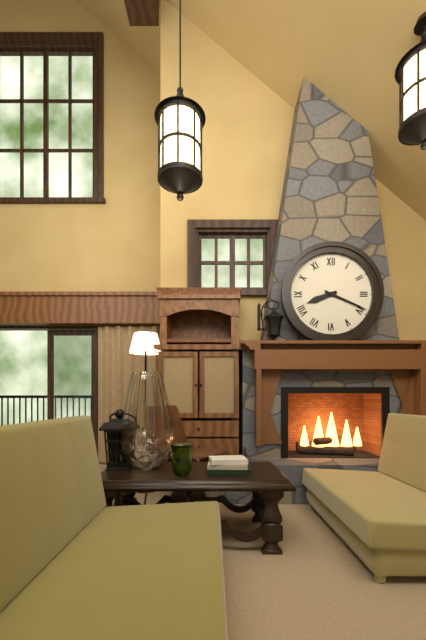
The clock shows **8:19**
